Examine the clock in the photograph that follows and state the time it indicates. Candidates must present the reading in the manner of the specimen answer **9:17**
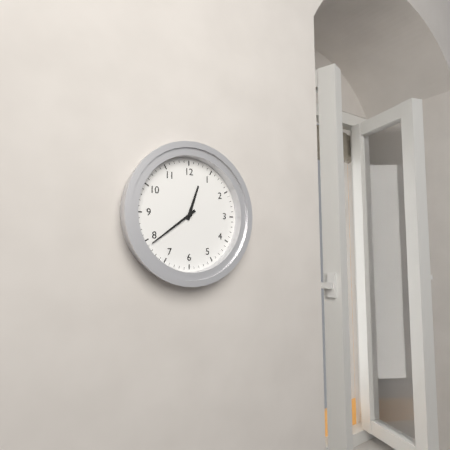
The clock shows **12:39**
